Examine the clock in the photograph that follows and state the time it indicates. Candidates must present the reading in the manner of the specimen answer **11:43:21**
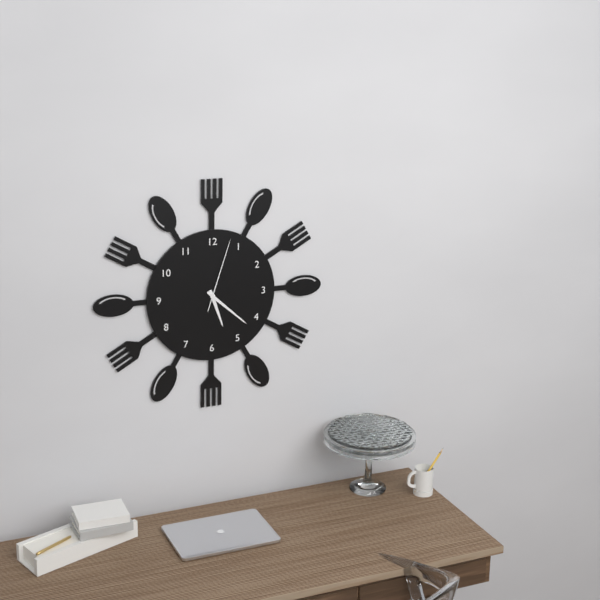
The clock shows **5:22:03**
